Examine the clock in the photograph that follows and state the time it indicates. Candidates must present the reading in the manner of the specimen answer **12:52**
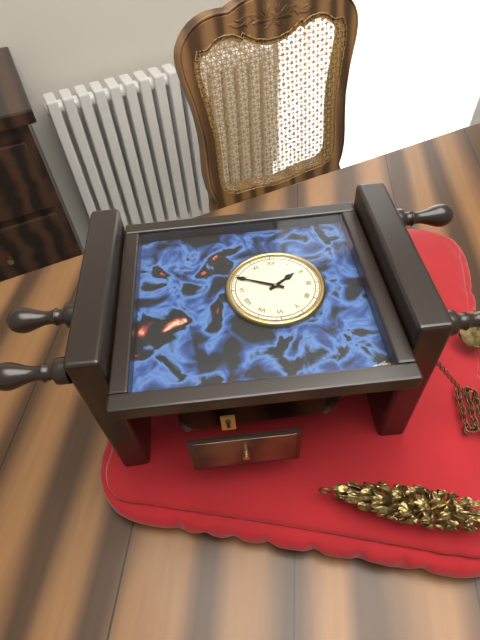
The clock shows **1:49**
